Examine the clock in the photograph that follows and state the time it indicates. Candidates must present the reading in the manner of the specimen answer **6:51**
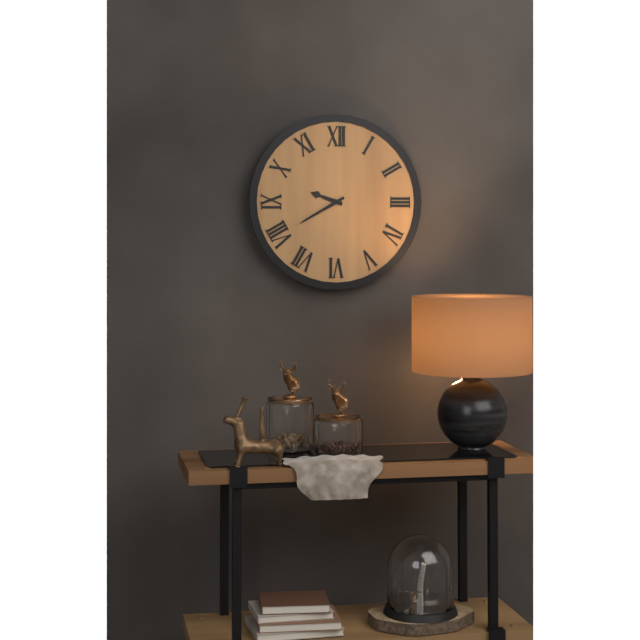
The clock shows **9:40**
